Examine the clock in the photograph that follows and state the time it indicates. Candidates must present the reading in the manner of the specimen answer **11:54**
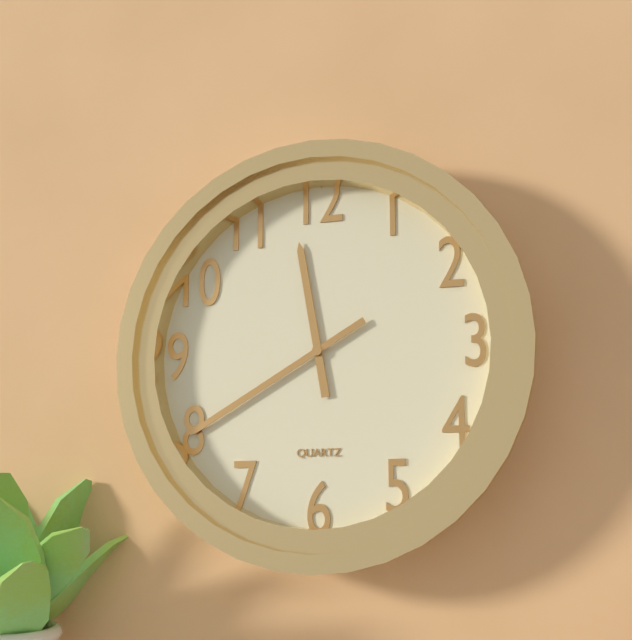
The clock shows **11:40**
